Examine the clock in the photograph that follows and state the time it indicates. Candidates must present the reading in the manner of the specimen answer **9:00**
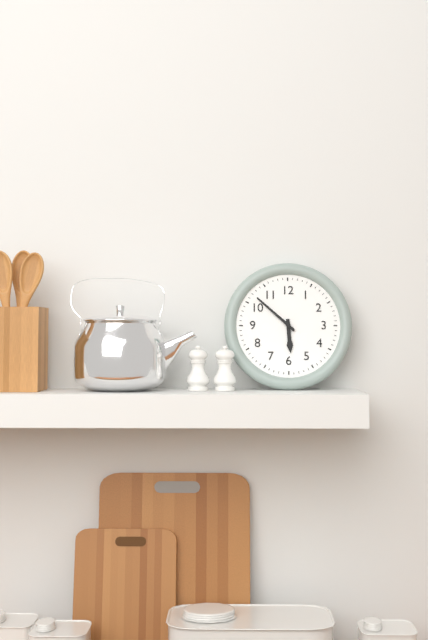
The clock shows **5:52**
